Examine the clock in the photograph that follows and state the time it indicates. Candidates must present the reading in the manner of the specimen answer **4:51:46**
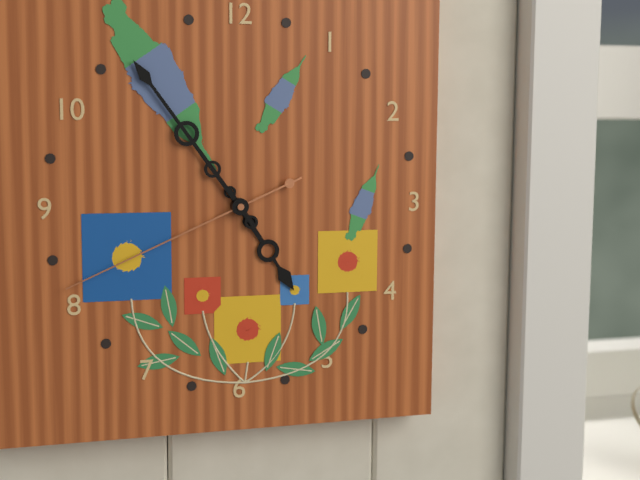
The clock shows **4:54:41**
